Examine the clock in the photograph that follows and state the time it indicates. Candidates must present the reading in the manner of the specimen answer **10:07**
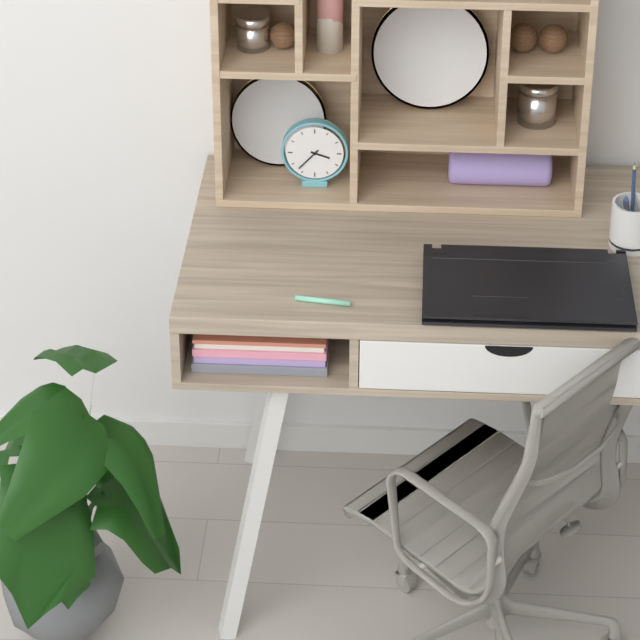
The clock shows **3:37**
